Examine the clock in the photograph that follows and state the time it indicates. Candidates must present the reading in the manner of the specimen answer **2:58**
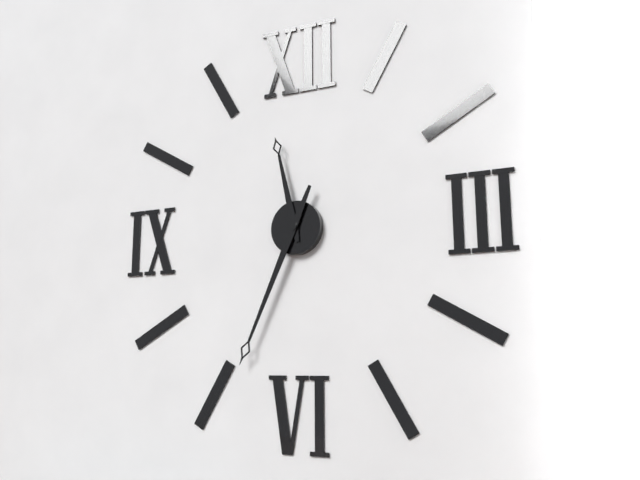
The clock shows **11:34**
